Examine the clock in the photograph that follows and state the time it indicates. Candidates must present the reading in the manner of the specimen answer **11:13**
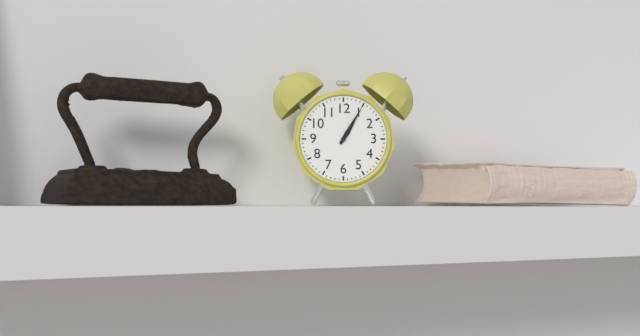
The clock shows **1:05**
